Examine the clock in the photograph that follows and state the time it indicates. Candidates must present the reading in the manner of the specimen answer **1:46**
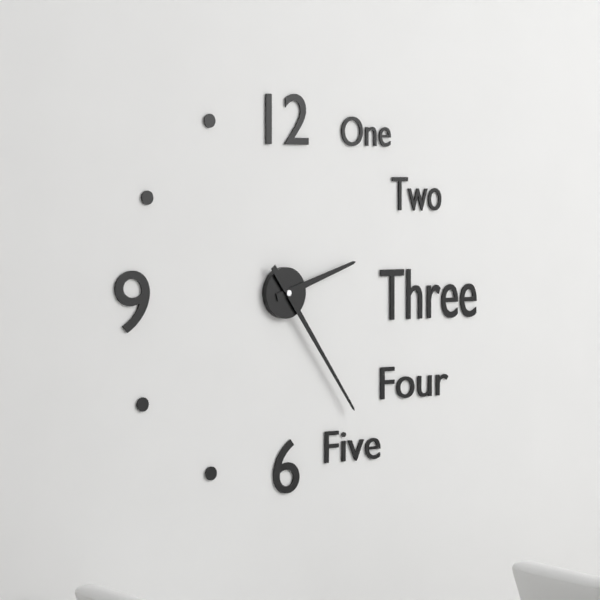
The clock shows **2:24**
